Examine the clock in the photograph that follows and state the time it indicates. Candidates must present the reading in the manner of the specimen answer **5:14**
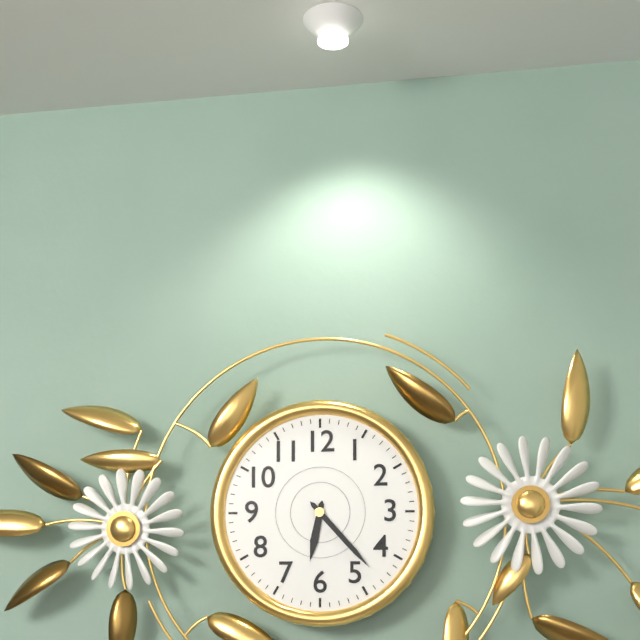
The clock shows **6:23**
